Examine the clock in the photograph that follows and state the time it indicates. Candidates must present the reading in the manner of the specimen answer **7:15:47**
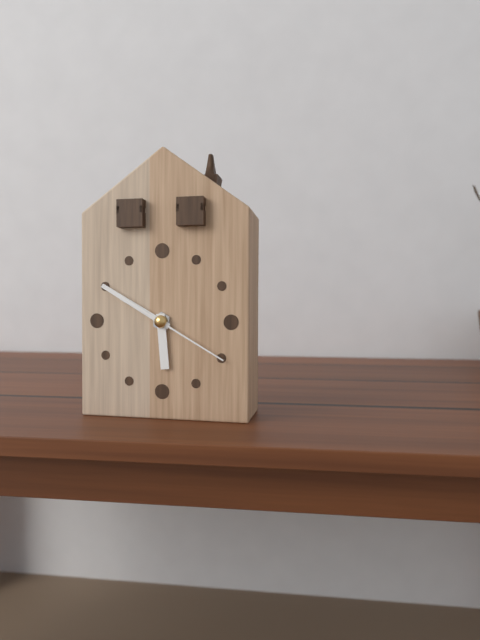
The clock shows **5:50:20**
